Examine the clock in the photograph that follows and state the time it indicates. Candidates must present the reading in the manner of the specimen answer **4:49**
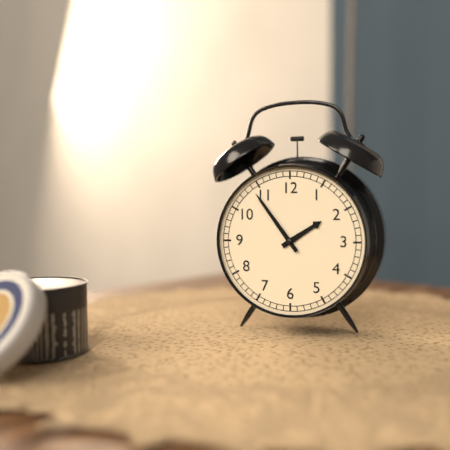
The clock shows **1:54**
